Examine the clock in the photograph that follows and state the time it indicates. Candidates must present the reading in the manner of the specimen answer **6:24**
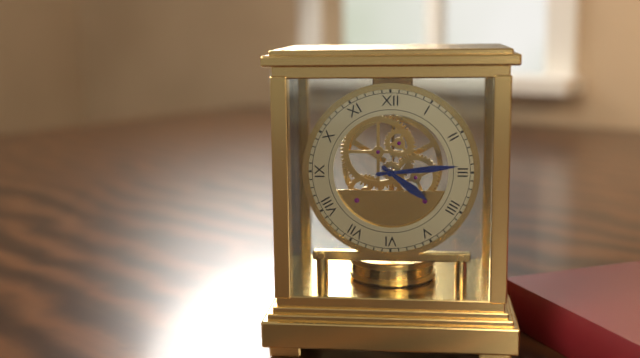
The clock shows **4:14**
